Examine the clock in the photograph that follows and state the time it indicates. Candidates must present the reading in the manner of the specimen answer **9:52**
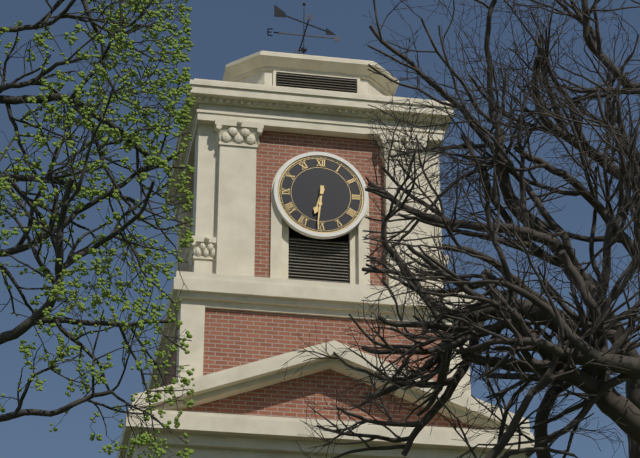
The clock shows **6:31**
